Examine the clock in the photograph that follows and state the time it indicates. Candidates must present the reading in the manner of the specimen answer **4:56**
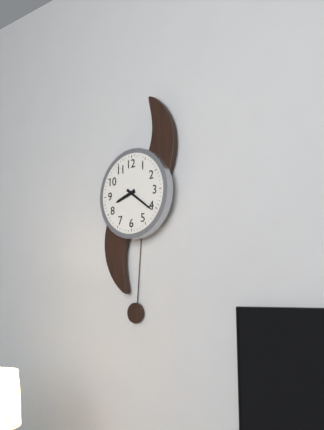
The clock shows **8:21**
